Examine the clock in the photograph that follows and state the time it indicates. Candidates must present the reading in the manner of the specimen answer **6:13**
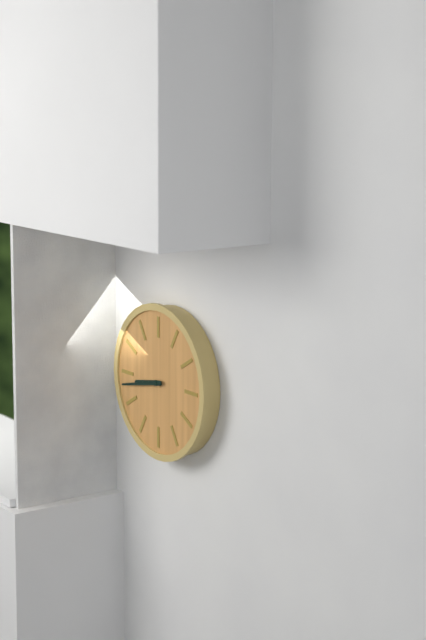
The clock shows **8:43**
